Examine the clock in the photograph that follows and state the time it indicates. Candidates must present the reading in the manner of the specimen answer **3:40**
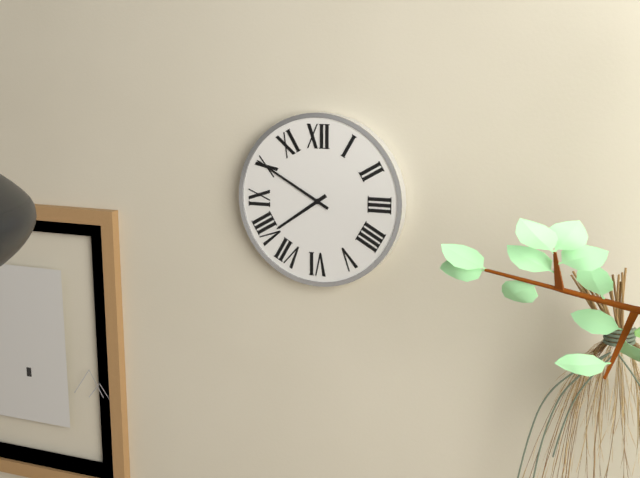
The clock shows **7:50**
